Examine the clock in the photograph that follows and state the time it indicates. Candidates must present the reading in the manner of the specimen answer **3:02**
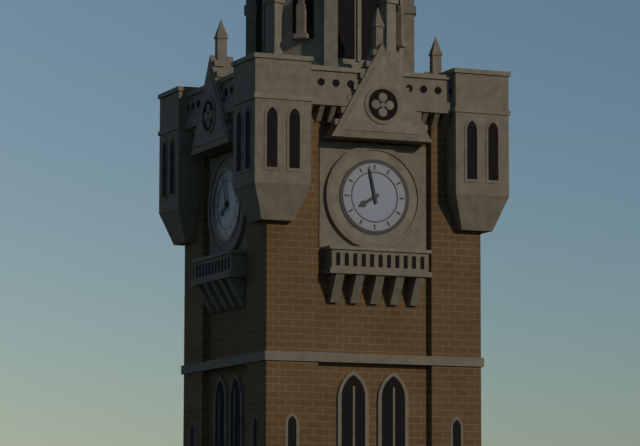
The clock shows **7:58**
